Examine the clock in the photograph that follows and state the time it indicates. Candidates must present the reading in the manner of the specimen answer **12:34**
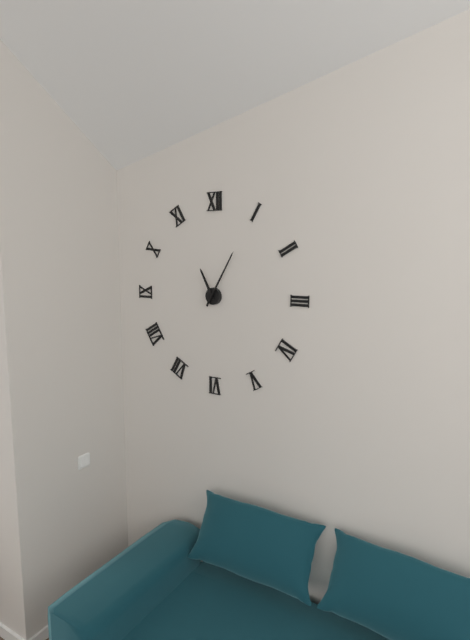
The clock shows **11:05**
